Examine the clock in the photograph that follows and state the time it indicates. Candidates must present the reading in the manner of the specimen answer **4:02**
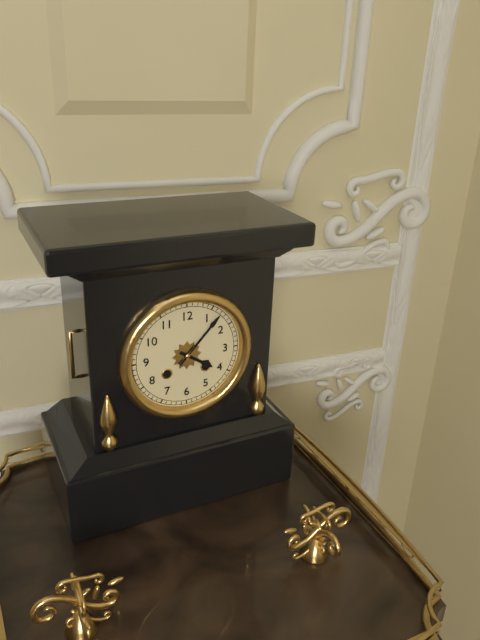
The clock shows **4:07**
